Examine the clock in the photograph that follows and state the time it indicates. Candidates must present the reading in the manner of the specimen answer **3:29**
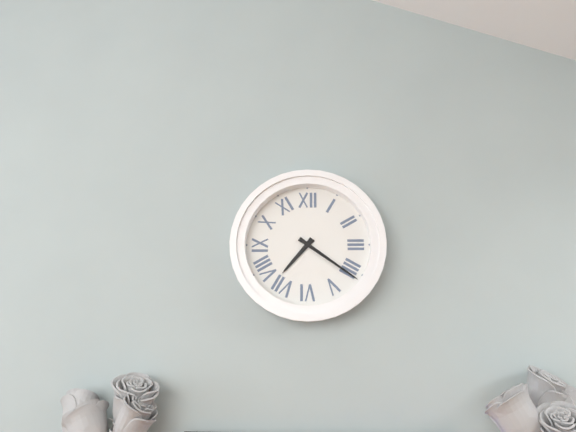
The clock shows **7:21**
